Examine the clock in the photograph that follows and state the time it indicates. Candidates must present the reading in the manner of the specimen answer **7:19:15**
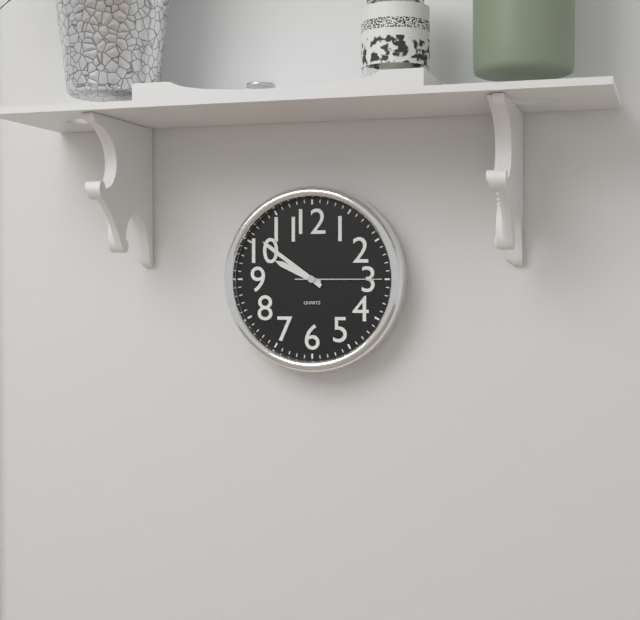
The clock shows **9:51:15**
